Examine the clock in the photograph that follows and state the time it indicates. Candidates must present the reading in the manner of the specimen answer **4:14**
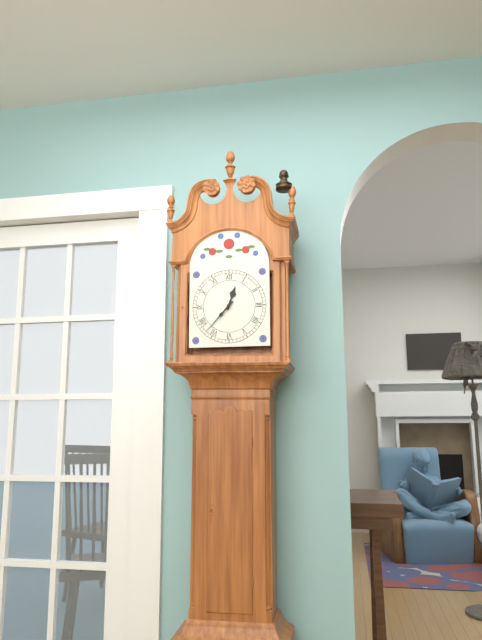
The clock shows **12:37**
